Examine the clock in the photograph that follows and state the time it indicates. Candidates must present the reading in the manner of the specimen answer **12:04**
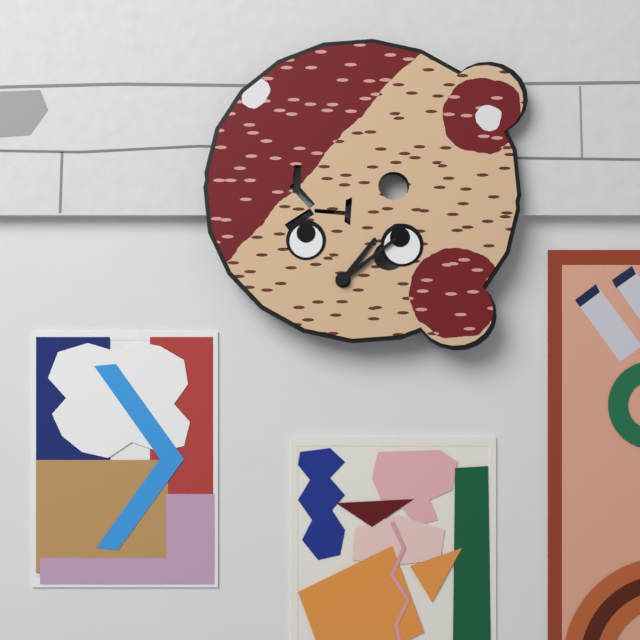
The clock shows **1:08**
